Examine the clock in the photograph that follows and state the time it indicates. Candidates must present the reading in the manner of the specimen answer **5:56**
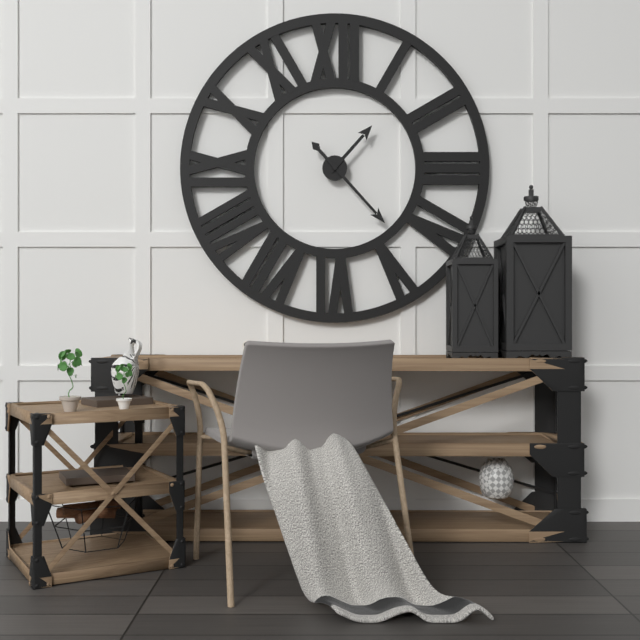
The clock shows **1:23**
